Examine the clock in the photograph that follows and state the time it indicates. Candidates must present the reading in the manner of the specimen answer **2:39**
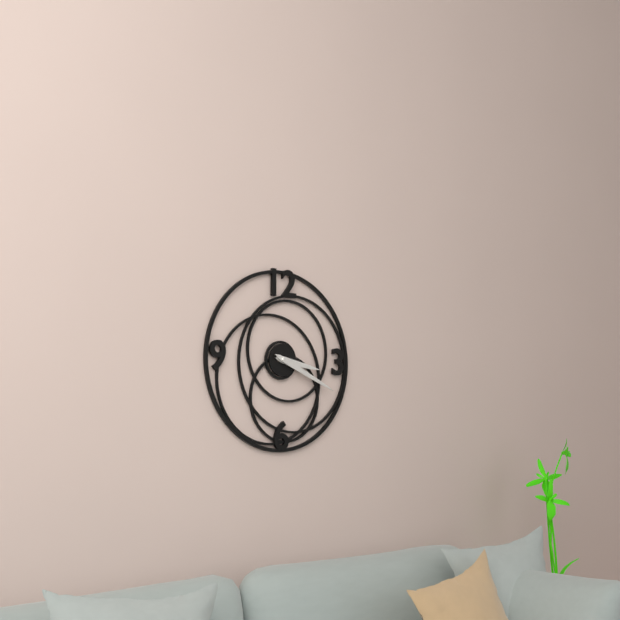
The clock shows **3:19**
